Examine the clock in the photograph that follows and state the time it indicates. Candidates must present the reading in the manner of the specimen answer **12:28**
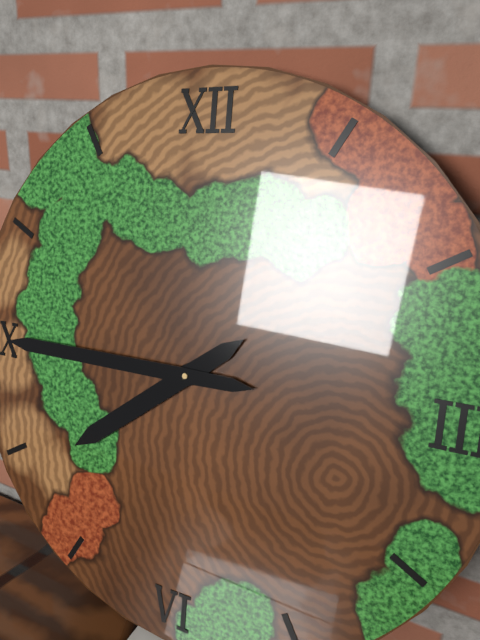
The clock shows **7:45**
